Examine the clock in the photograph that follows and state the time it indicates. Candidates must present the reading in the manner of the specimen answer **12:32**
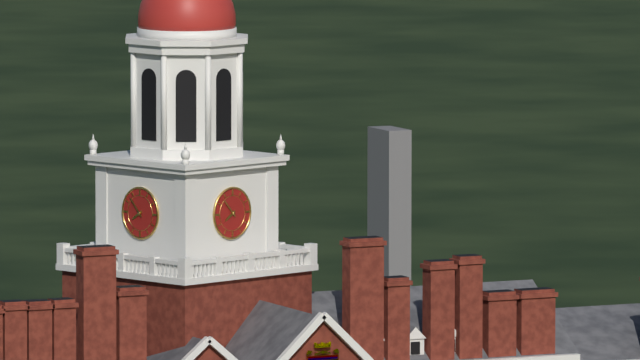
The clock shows **7:53**
